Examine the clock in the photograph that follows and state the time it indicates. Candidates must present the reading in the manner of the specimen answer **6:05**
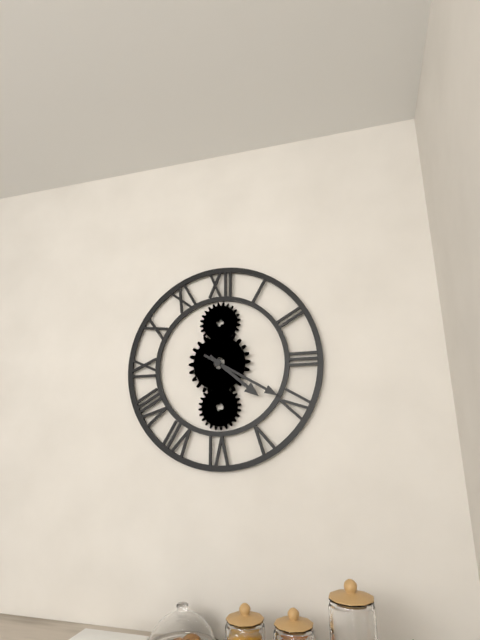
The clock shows **4:20**
